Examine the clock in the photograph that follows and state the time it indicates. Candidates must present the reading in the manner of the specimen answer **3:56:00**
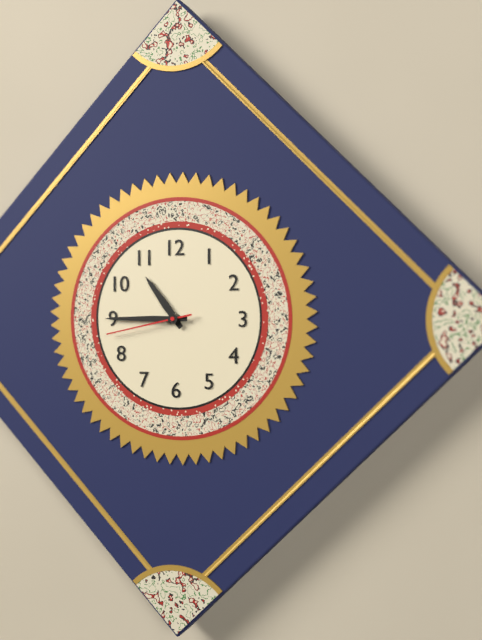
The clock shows **10:45:43**
